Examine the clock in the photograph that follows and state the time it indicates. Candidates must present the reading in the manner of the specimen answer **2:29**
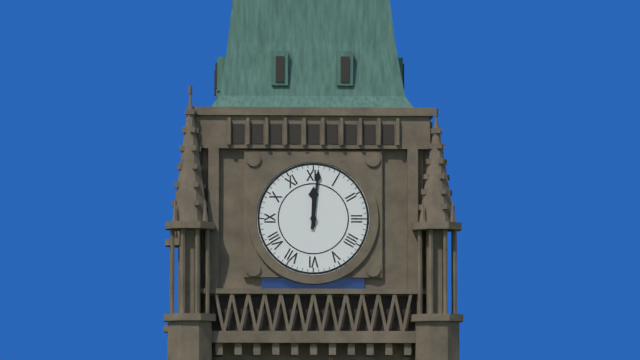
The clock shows **12:01**
